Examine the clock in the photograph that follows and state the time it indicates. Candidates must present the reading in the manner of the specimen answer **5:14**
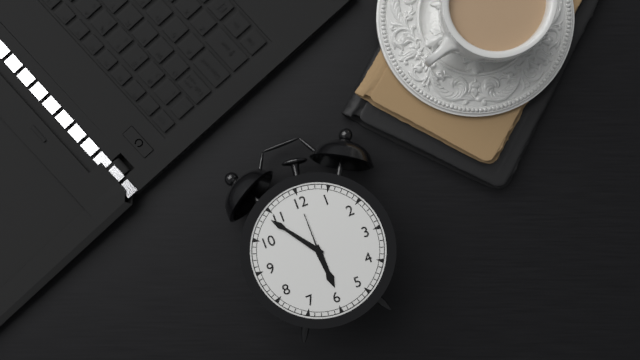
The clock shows **5:54**
